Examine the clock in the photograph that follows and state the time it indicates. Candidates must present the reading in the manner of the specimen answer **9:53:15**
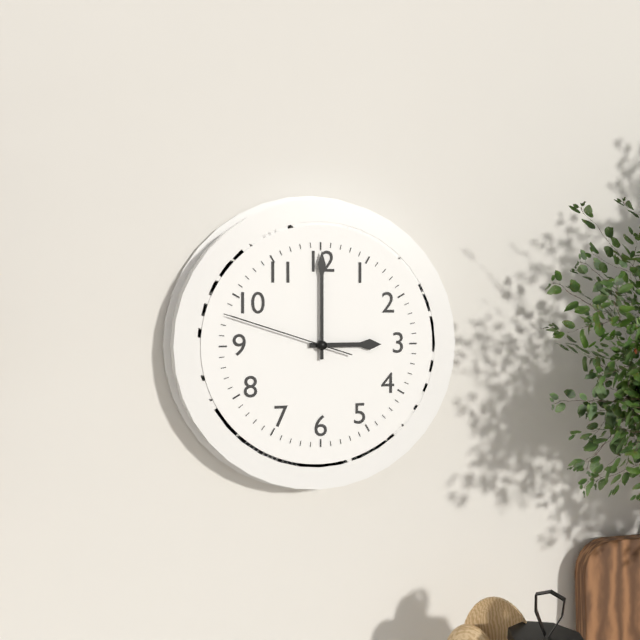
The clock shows **3:00:48**
